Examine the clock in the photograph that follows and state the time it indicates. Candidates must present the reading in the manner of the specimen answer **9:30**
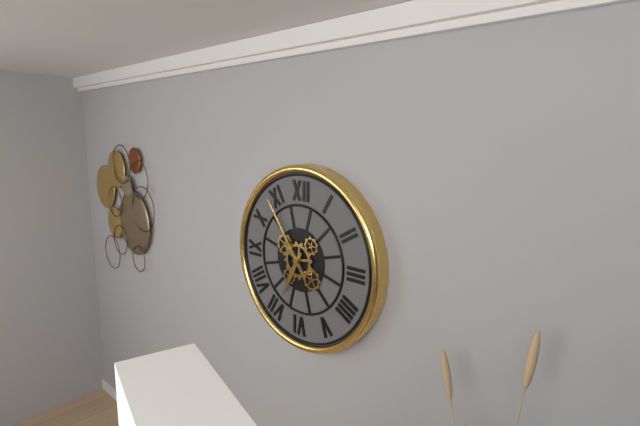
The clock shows **6:54**
